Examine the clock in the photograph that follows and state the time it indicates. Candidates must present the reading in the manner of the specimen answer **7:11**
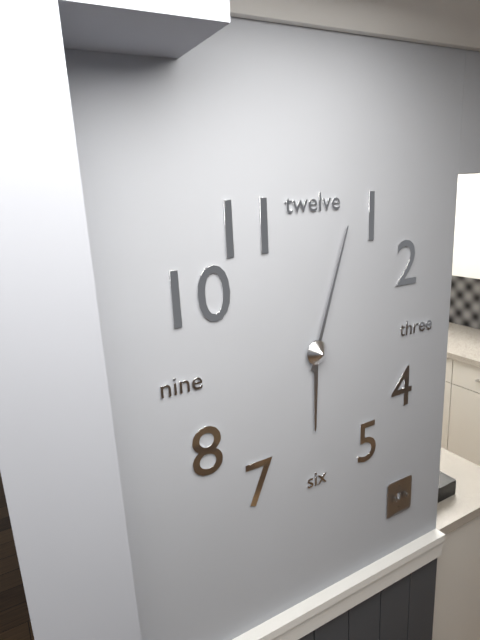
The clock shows **6:03**
